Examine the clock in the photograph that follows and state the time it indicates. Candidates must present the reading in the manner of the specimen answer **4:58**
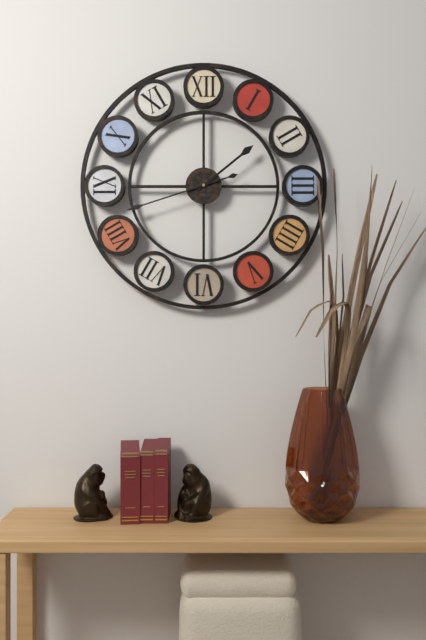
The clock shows **1:42**
